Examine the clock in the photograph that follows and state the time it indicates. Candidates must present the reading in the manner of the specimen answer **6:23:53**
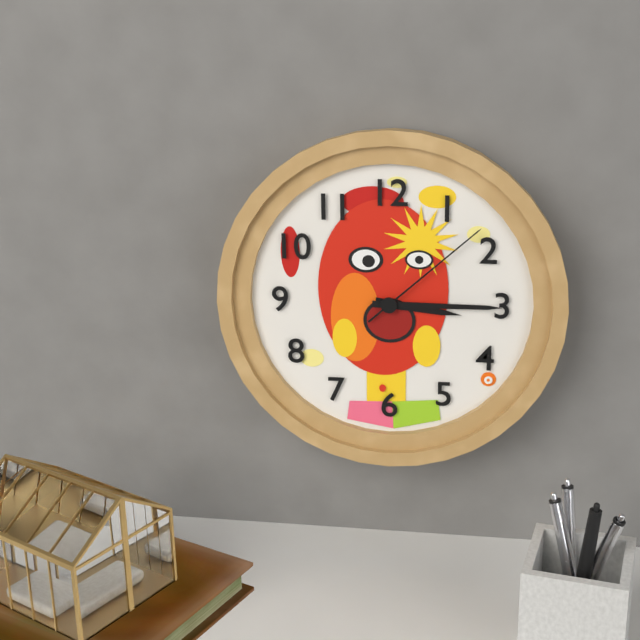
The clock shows **3:15:08**
